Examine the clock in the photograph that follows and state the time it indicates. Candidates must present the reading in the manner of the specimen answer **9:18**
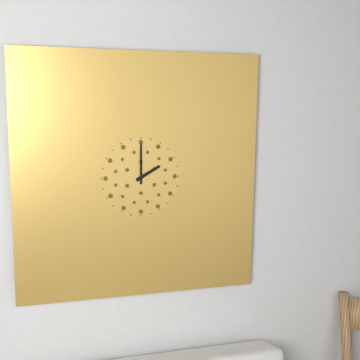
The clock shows **2:00**
